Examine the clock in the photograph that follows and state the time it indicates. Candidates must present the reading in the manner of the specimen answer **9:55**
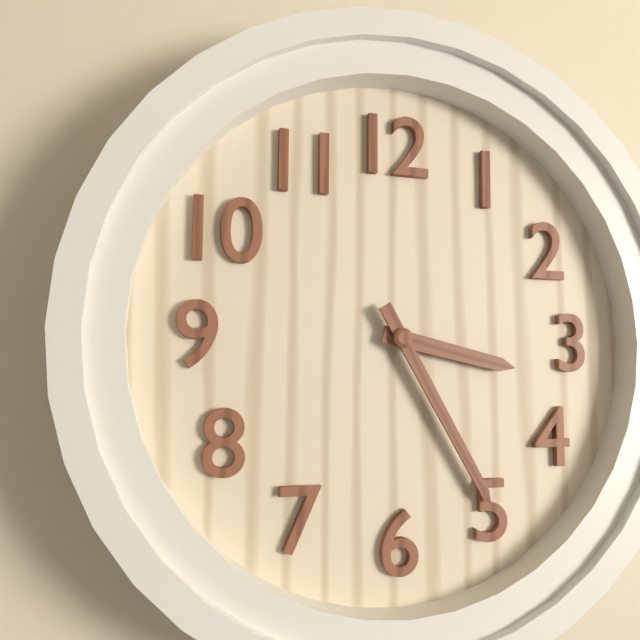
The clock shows **3:25**
